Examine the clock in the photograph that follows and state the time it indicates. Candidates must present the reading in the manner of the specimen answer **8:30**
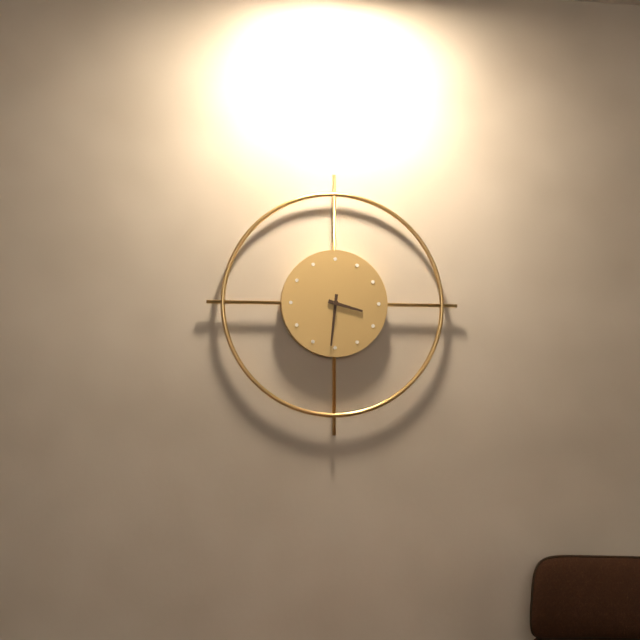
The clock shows **3:31**
